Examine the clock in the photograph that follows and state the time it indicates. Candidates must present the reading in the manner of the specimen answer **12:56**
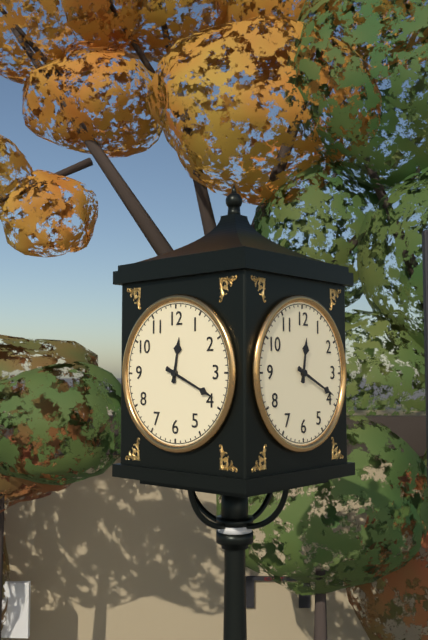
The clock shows **12:19**
